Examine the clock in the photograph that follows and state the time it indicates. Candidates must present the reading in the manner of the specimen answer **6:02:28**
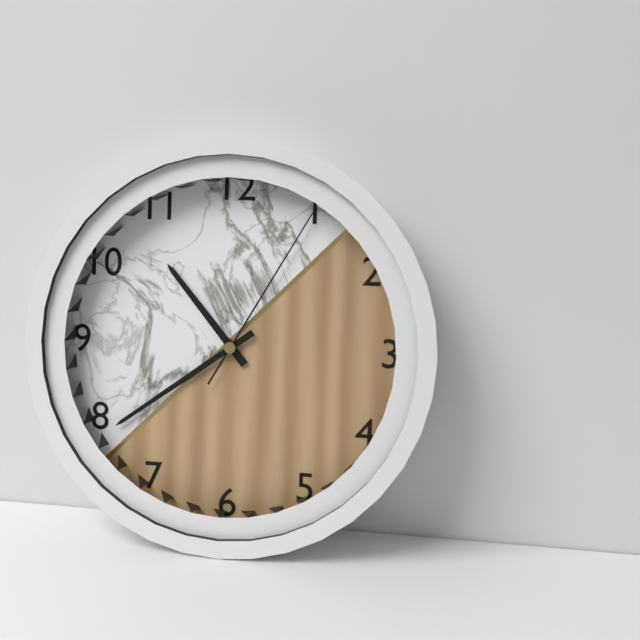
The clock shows **10:39:05**
